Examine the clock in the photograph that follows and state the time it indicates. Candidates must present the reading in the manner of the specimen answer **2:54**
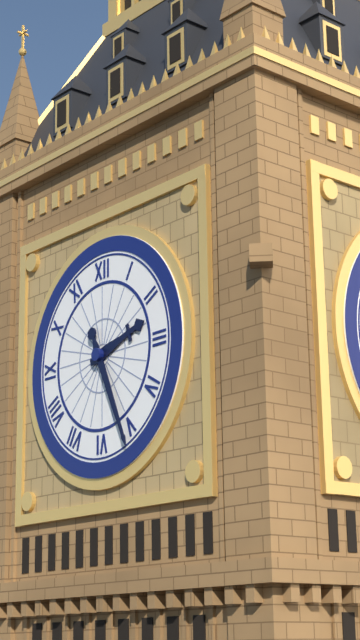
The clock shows **2:26**
